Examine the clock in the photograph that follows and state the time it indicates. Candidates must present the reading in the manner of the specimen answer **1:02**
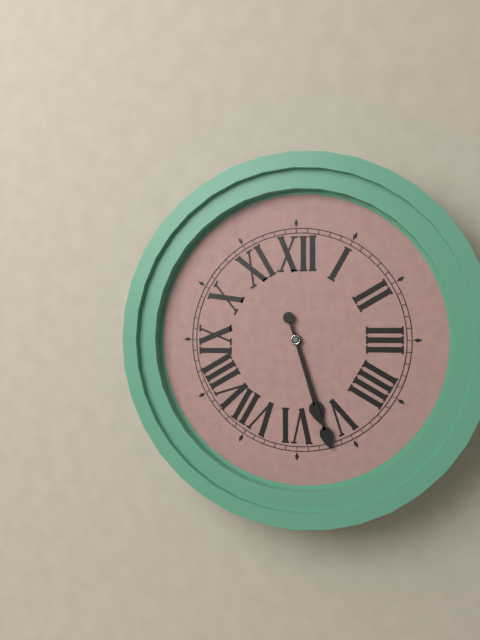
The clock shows **5:27**
